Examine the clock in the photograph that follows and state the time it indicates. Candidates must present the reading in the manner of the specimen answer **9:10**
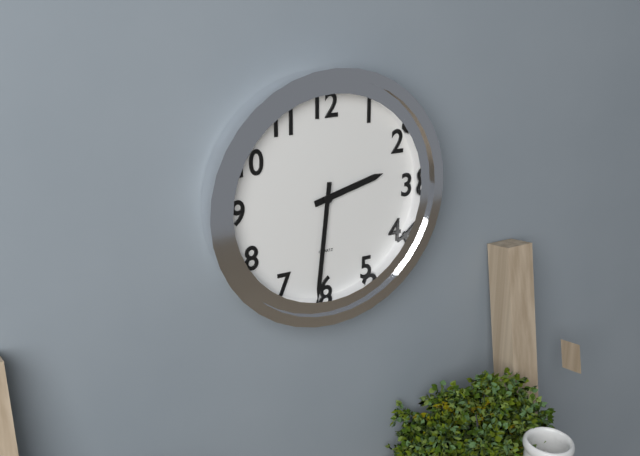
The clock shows **2:31**
